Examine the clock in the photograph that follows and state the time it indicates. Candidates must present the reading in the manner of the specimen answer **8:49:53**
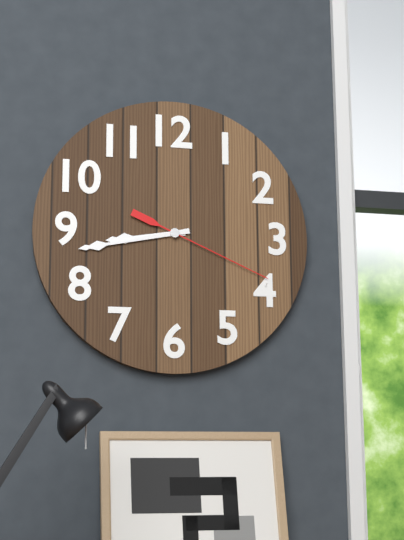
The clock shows **8:43:19**
